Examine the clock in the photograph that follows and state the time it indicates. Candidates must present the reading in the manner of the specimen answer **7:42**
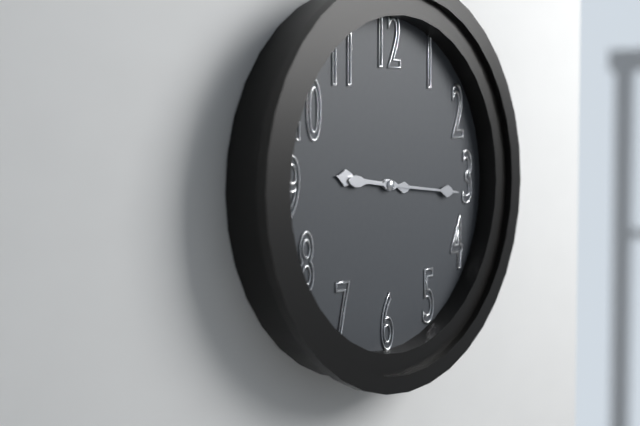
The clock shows **9:16**
